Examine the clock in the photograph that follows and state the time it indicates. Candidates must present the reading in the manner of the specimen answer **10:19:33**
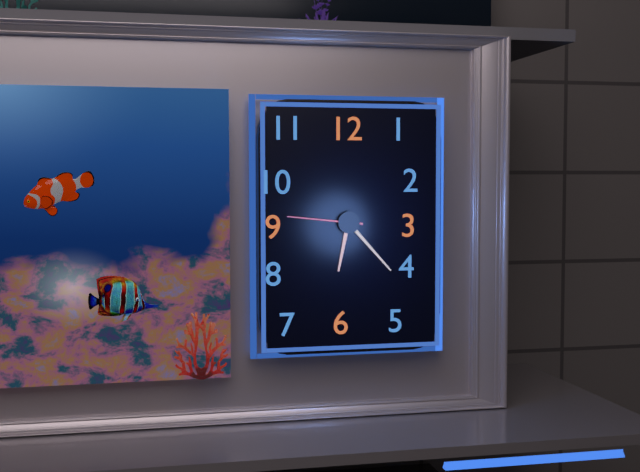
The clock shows **6:23:46**
